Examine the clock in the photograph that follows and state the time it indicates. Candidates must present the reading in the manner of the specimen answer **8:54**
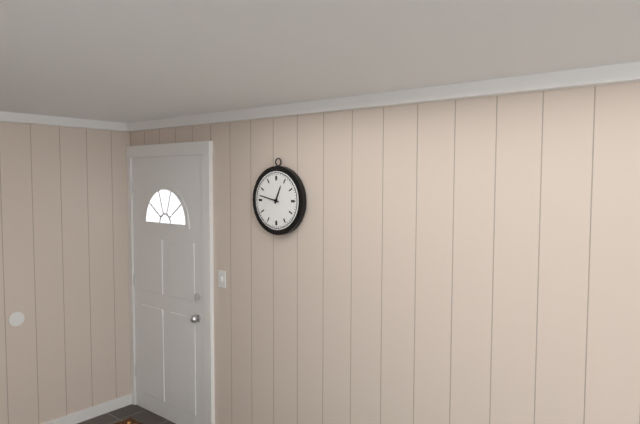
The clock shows **12:47**
